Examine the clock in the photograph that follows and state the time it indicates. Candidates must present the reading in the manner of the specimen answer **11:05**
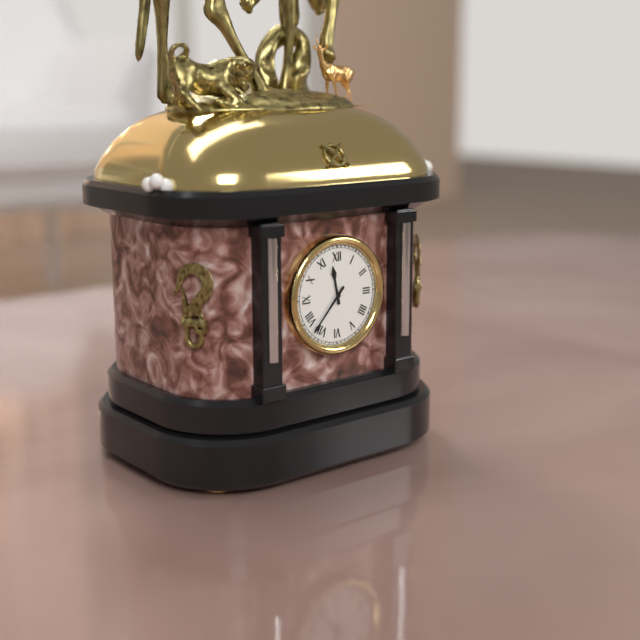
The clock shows **11:37**
